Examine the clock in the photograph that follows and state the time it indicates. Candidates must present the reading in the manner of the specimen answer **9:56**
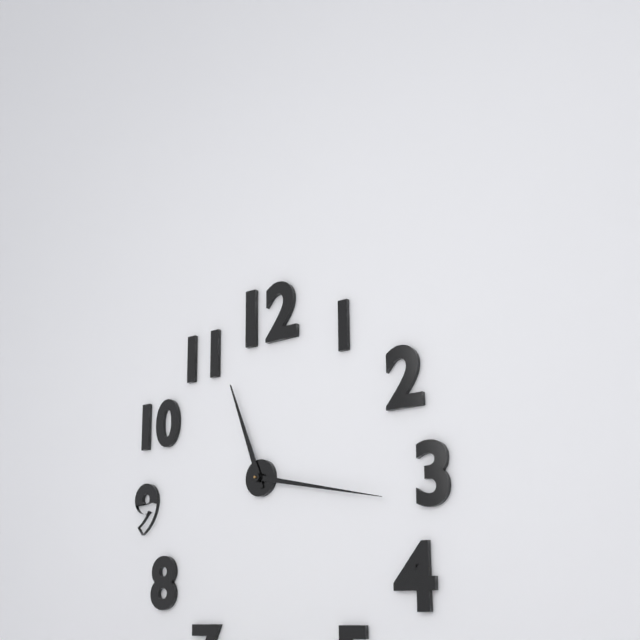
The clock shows **11:17**
